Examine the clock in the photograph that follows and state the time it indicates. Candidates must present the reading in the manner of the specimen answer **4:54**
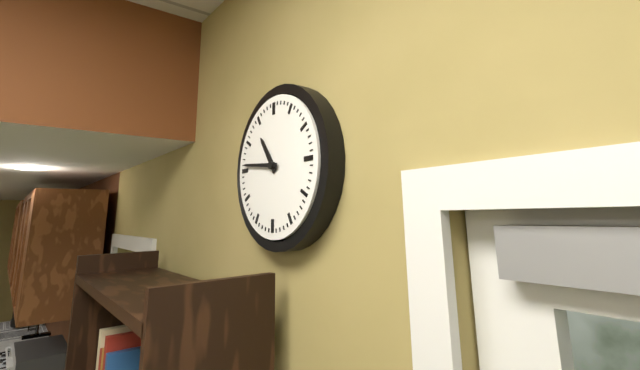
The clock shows **10:46**
